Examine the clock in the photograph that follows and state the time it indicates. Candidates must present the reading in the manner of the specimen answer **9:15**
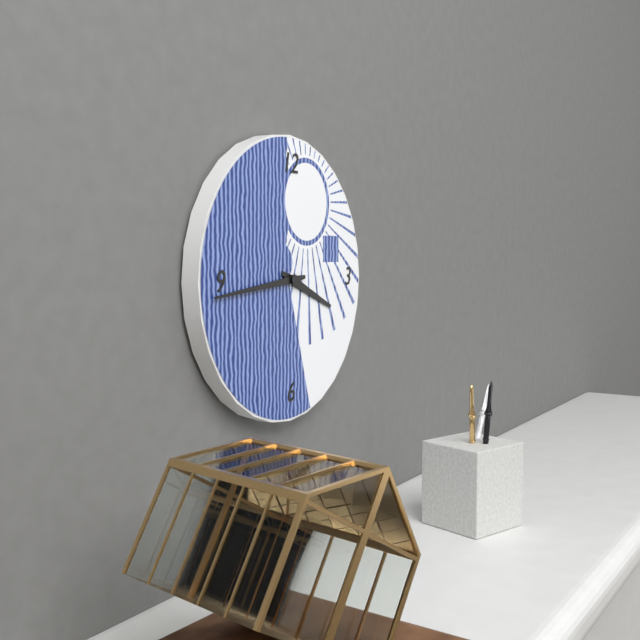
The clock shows **3:44**
